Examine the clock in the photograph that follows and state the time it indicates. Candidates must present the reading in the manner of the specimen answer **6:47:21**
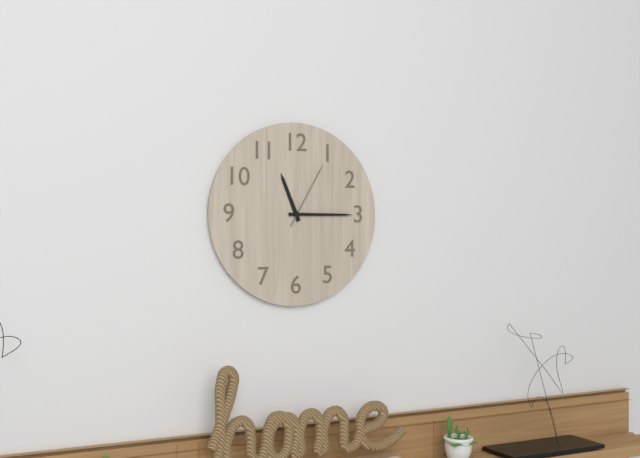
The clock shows **11:15:05**
